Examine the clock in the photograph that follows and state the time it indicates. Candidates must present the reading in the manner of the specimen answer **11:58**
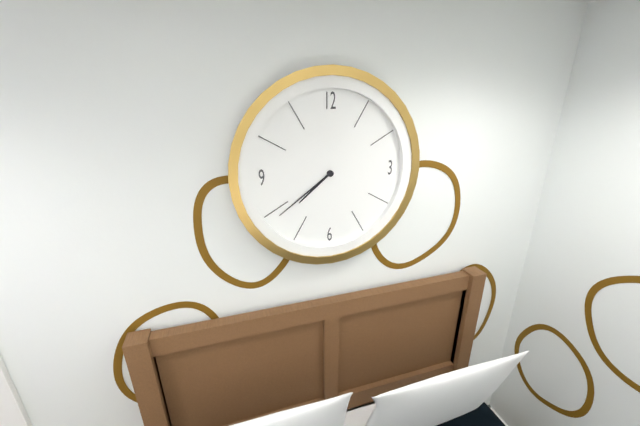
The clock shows **7:39**
